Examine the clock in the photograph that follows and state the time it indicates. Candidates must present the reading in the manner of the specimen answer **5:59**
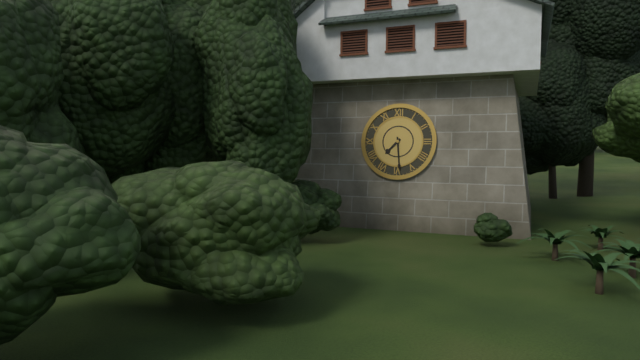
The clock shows **7:29**
